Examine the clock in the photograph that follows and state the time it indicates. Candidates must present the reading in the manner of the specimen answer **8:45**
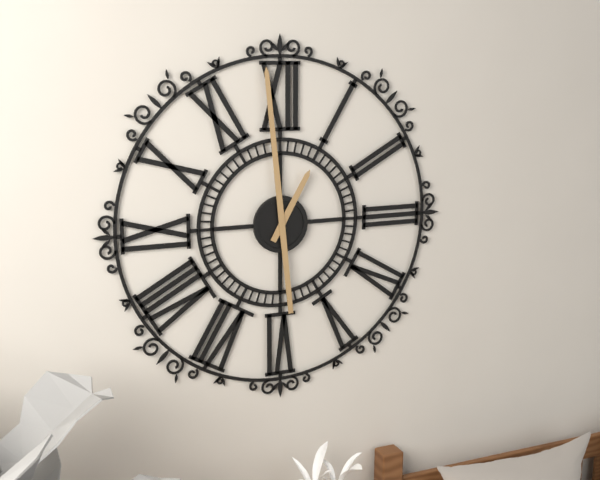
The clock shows **12:59**
